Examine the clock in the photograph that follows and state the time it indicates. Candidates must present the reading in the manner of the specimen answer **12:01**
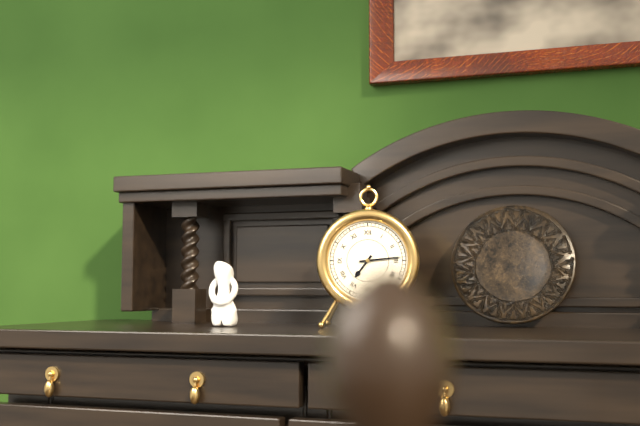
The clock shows **7:14**
